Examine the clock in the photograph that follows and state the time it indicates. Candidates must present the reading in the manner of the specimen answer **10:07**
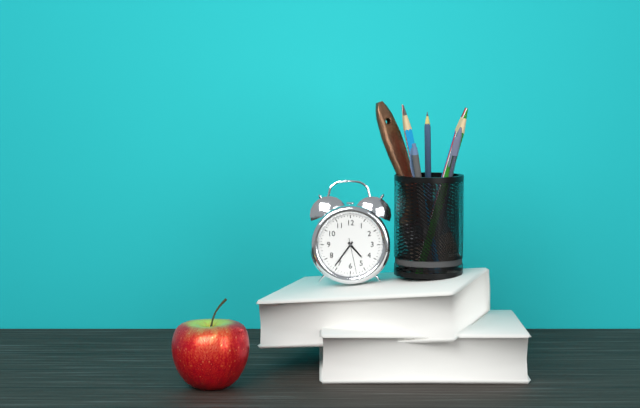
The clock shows **4:36**
